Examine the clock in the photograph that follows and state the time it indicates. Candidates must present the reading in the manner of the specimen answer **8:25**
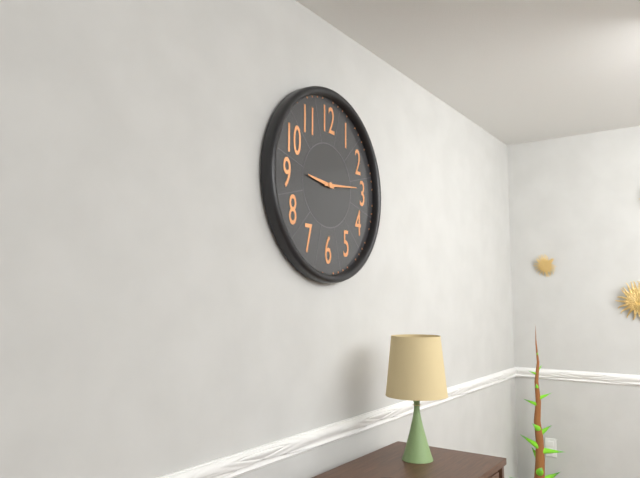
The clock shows **9:14**
